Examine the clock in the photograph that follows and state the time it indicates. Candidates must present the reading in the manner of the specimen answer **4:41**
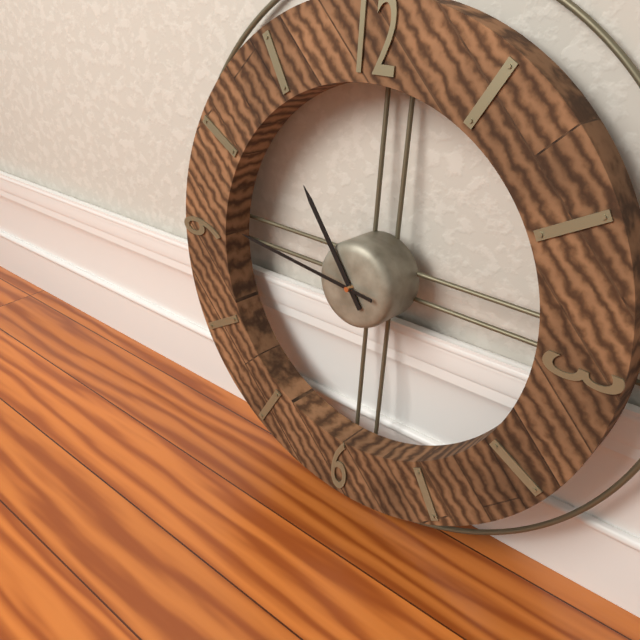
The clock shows **10:46**
